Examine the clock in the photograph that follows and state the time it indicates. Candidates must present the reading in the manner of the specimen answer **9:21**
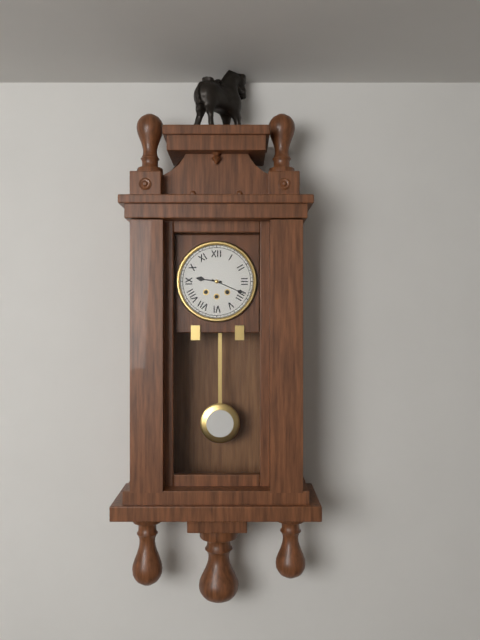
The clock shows **9:19**
